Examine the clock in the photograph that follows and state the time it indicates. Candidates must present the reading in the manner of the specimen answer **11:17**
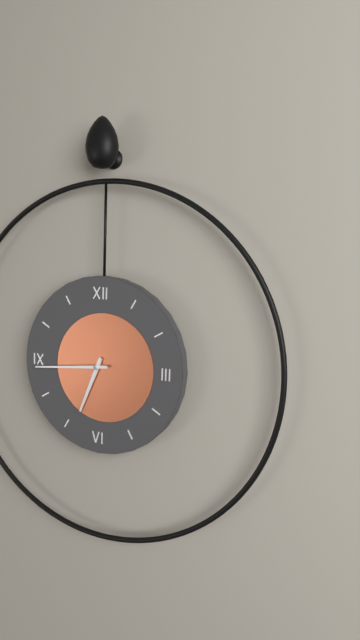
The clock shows **6:44**
